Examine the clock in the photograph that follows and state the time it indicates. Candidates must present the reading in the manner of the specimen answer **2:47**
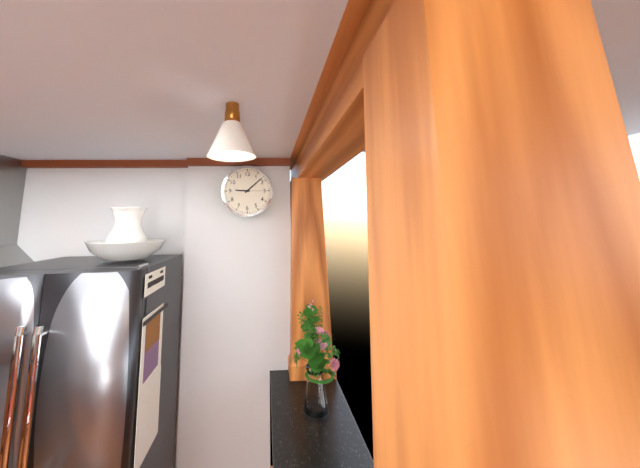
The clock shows **9:08**
